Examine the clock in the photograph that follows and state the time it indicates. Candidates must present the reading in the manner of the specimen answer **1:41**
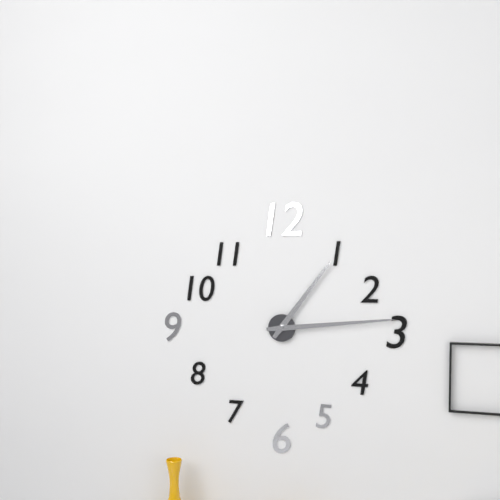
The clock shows **1:14**
